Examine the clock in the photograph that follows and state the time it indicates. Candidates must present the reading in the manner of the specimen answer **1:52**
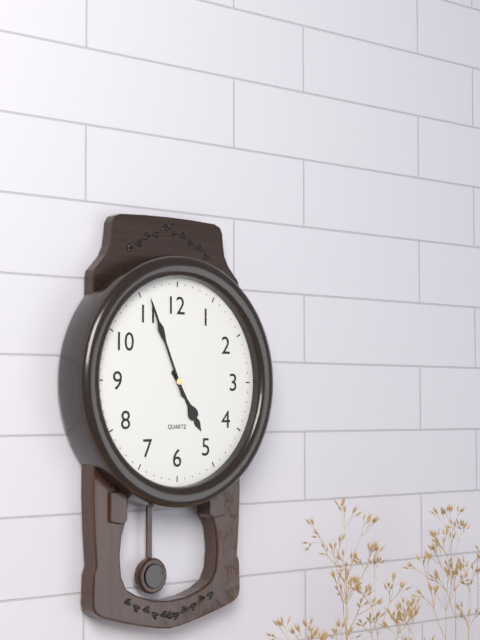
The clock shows **4:56**
